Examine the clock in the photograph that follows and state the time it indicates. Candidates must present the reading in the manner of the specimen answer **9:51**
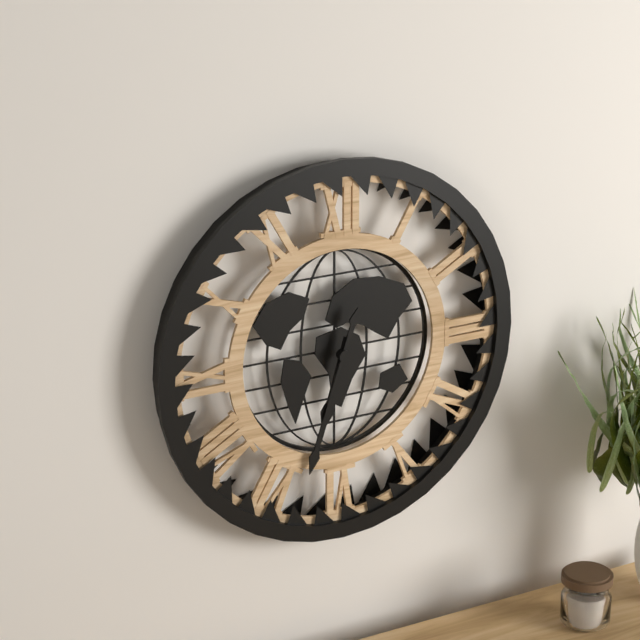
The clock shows **6:33**
